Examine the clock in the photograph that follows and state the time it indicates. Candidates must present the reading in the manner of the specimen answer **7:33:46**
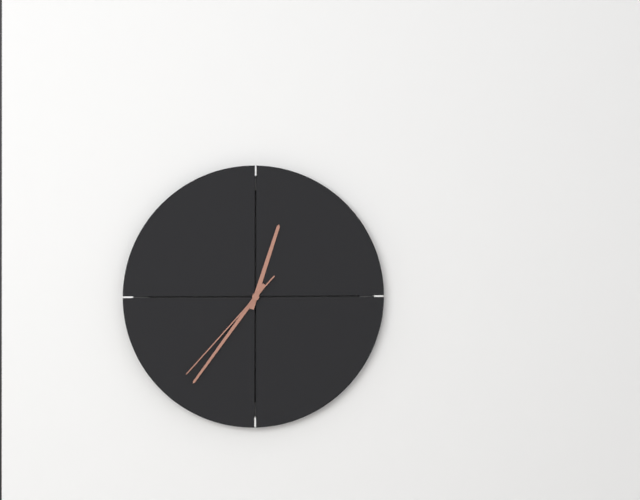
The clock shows **12:36:37**
